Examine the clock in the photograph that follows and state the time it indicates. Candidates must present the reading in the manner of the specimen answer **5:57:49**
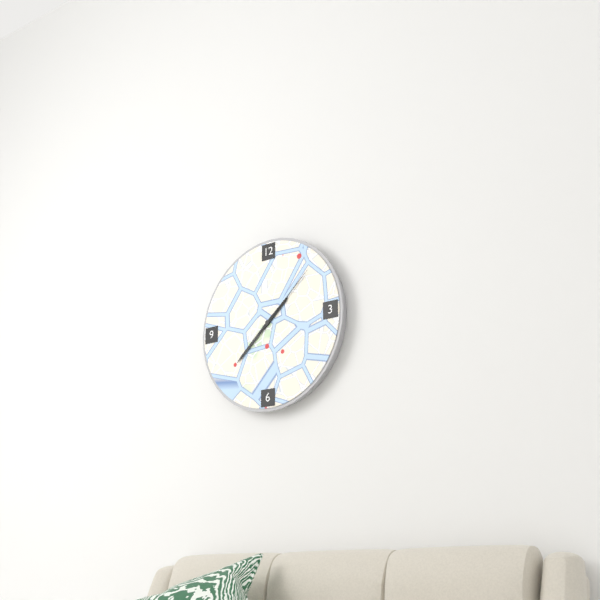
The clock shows **1:38:08**
